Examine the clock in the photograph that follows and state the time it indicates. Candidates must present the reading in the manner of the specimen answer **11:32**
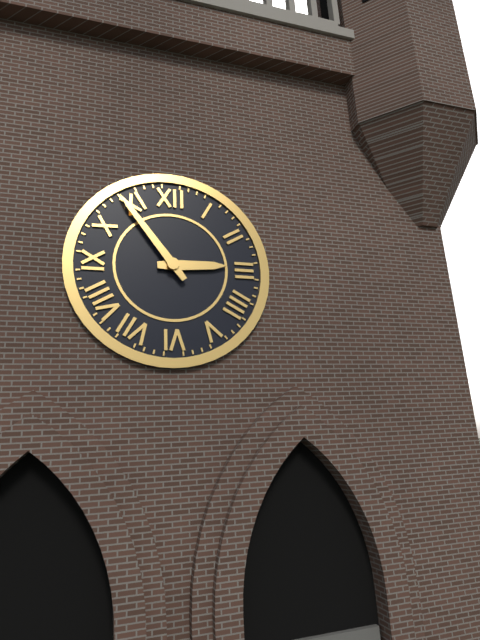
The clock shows **2:54**
